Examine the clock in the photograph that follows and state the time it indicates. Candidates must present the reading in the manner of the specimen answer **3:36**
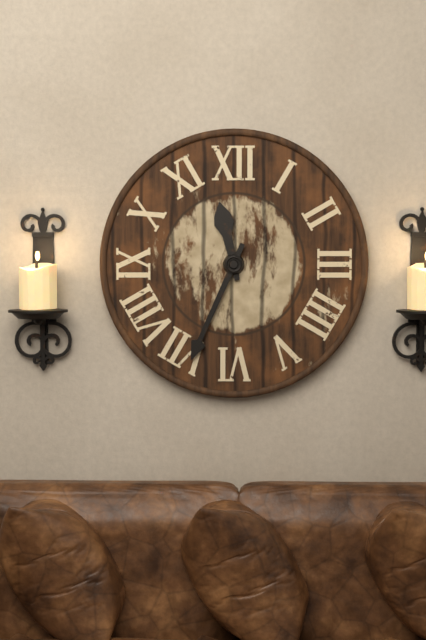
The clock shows **11:34**
